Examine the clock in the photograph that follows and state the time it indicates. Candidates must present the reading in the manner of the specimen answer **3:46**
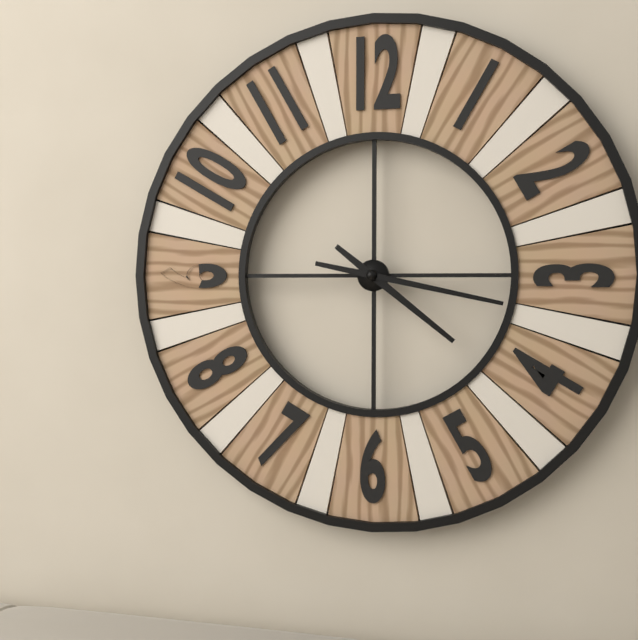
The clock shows **4:17**
